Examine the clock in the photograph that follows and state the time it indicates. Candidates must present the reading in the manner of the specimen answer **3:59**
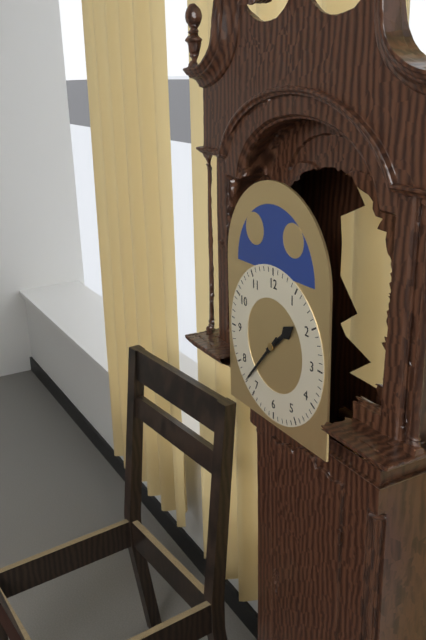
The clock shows **1:37**
